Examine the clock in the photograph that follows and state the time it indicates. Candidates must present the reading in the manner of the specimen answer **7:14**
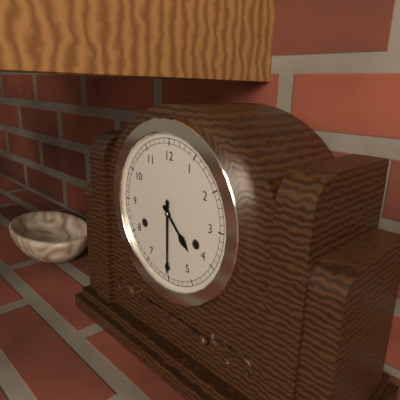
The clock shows **4:30**
